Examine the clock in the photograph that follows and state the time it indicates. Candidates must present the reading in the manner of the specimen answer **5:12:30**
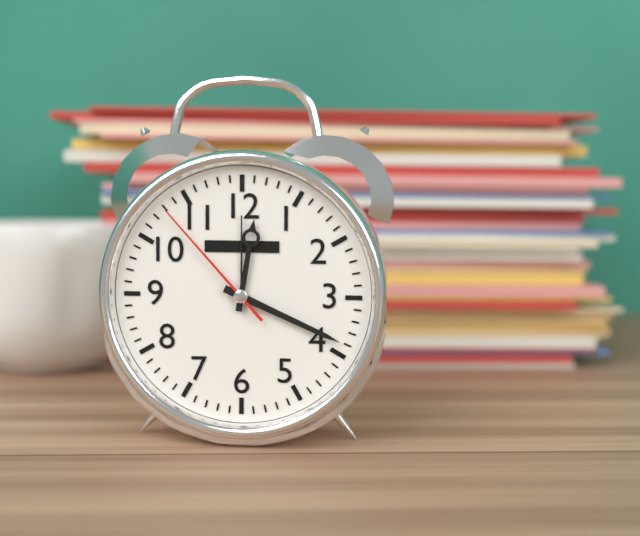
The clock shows **12:19:53**
